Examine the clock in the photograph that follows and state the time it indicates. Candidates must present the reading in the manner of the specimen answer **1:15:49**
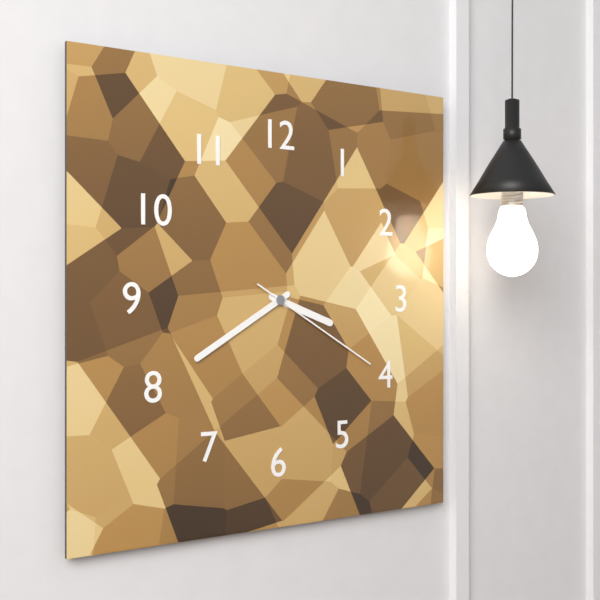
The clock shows **3:40:20**
